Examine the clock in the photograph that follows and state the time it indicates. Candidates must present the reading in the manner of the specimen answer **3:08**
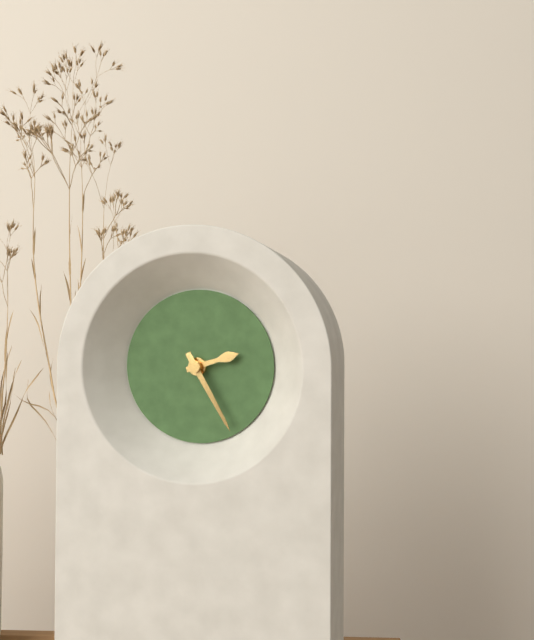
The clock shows **2:25**
